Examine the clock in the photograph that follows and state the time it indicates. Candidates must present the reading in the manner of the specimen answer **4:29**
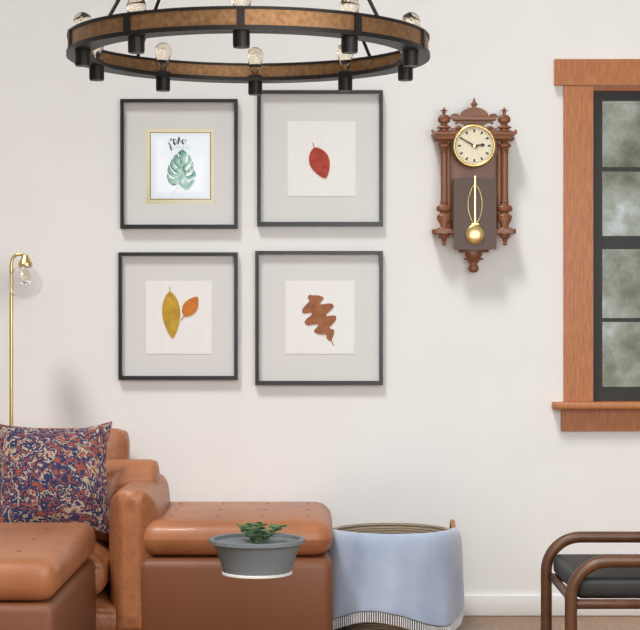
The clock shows **2:50**
